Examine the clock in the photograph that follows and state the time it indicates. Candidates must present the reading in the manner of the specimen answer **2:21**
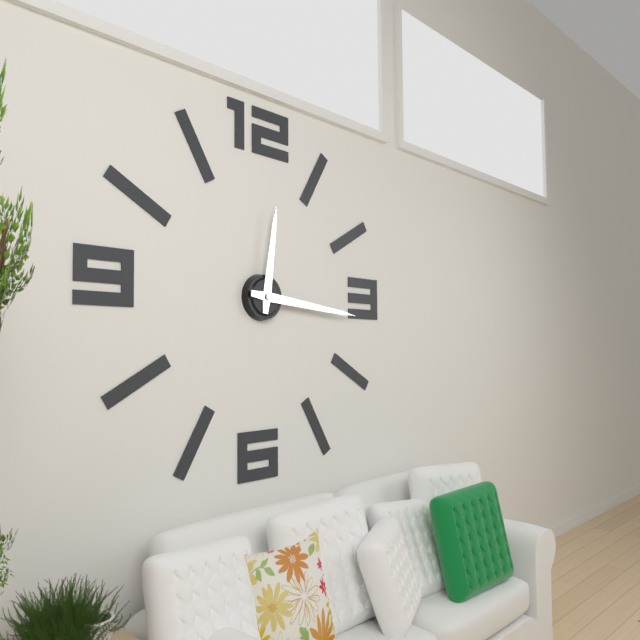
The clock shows **12:16**
